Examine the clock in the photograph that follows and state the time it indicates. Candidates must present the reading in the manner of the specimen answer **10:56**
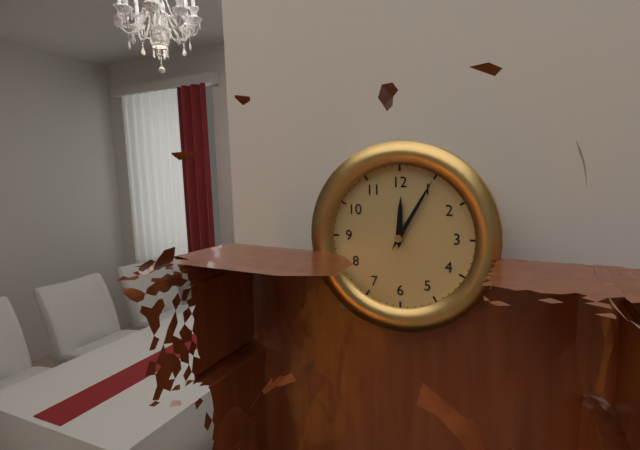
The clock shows **12:05**
